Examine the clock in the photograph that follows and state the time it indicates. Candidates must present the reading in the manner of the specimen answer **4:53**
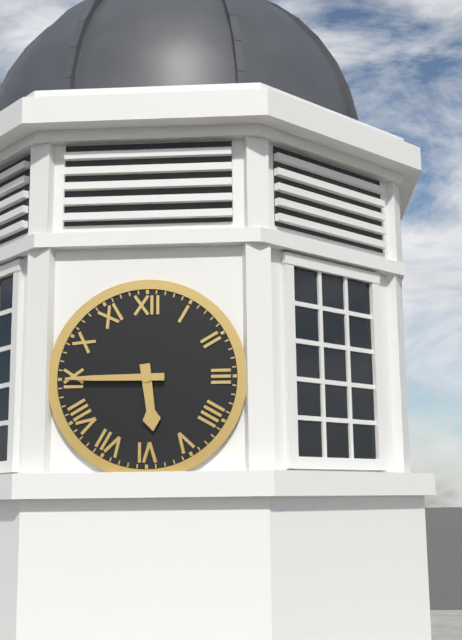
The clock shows **5:45**
